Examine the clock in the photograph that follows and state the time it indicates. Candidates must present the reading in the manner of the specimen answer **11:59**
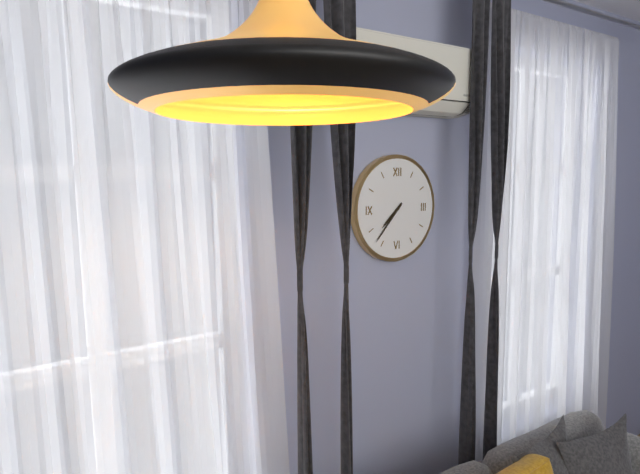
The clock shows **7:37**
